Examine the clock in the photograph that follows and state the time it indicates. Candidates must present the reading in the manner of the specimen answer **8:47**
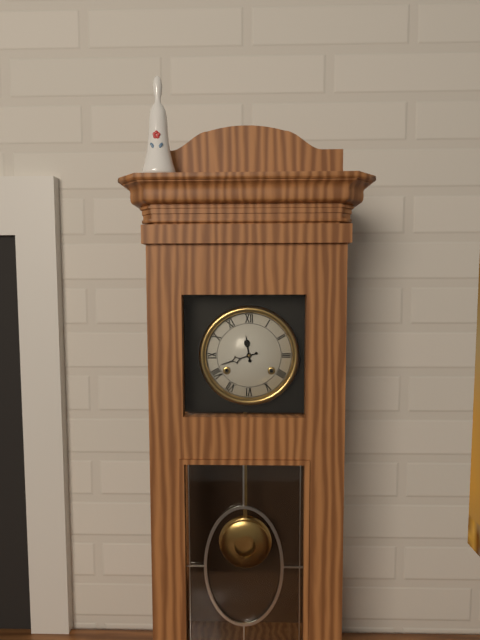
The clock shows **11:42**
